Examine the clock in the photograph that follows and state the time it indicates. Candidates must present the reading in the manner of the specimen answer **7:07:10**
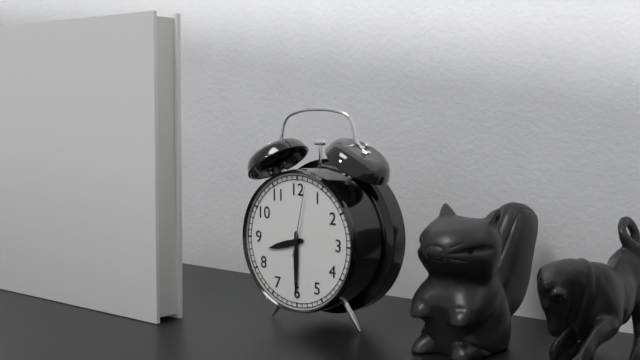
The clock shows **8:30:02**
